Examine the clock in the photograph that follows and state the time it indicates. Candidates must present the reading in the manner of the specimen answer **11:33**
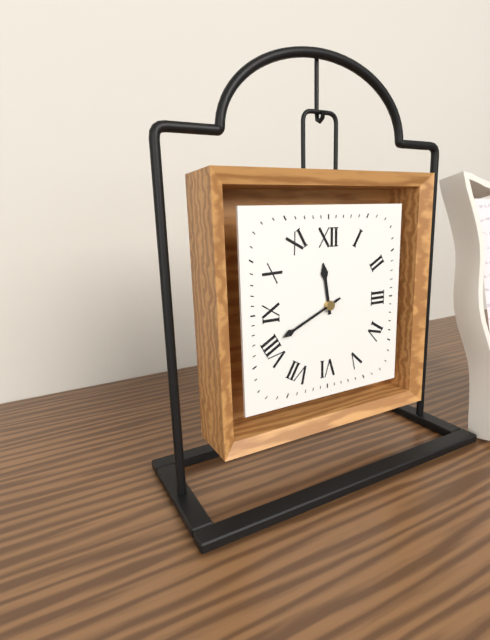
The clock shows **11:41**
